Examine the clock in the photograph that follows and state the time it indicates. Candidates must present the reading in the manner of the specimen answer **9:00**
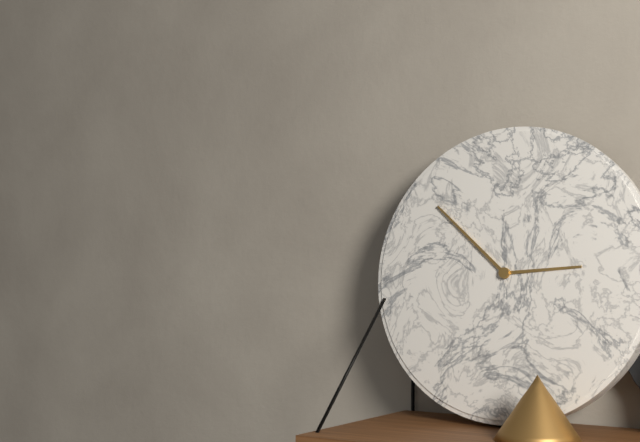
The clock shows **2:52**
